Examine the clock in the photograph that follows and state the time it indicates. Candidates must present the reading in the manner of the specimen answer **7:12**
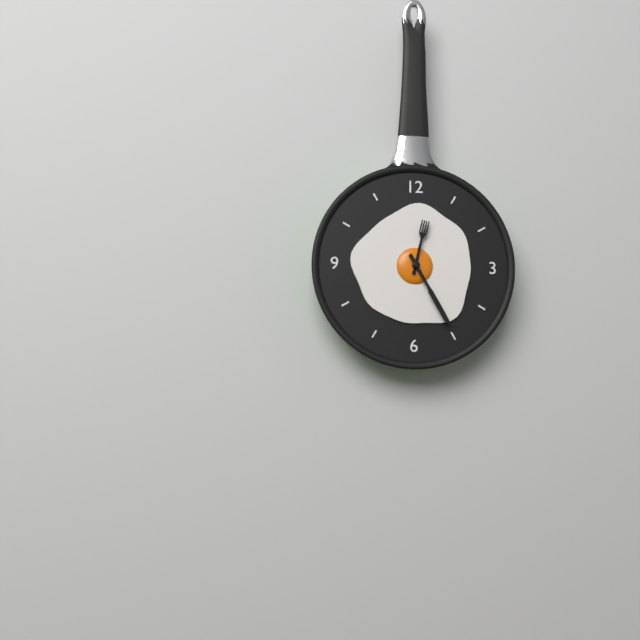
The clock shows **12:25**
